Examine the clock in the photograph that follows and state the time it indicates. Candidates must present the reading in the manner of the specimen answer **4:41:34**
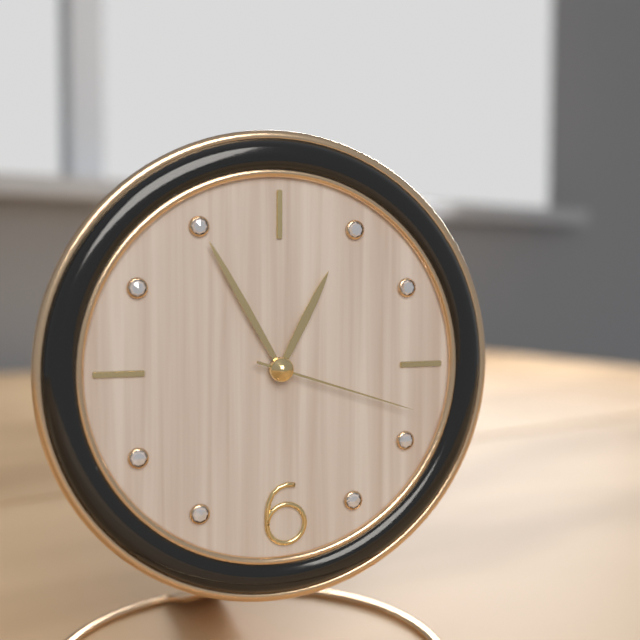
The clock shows **12:55:18**
